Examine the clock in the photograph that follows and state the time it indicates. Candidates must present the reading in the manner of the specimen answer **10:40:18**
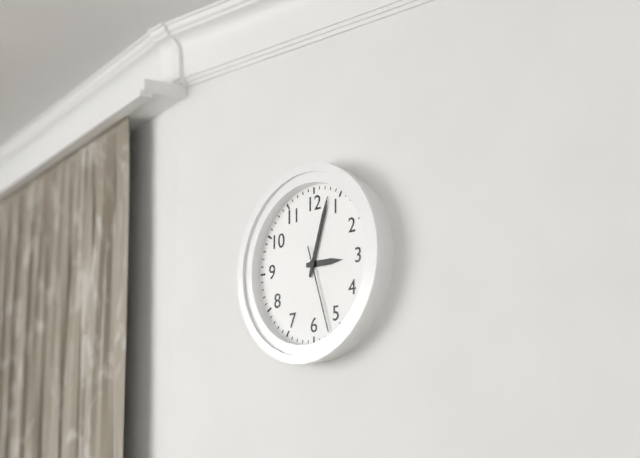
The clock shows **3:03:27**
